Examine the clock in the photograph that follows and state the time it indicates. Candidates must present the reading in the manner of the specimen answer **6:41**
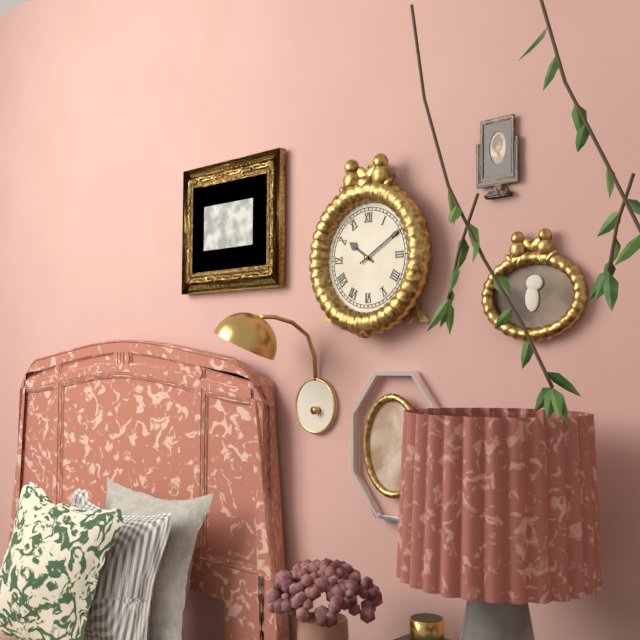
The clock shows **10:10**
